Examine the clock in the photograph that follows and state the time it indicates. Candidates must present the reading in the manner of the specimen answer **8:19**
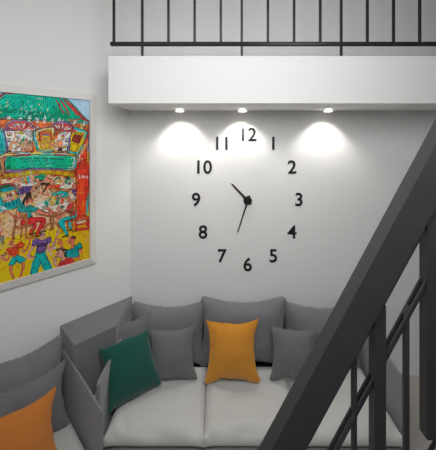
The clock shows **10:33**
